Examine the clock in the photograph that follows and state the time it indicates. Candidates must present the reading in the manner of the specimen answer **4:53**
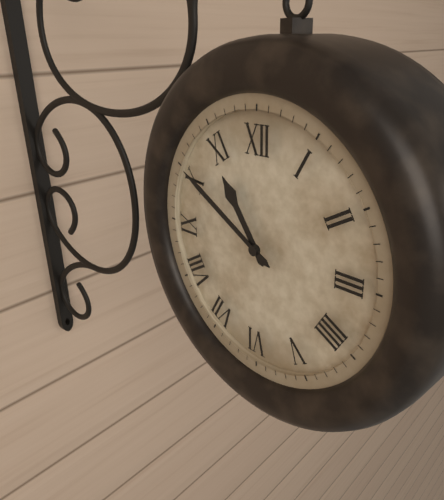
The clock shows **10:50**
